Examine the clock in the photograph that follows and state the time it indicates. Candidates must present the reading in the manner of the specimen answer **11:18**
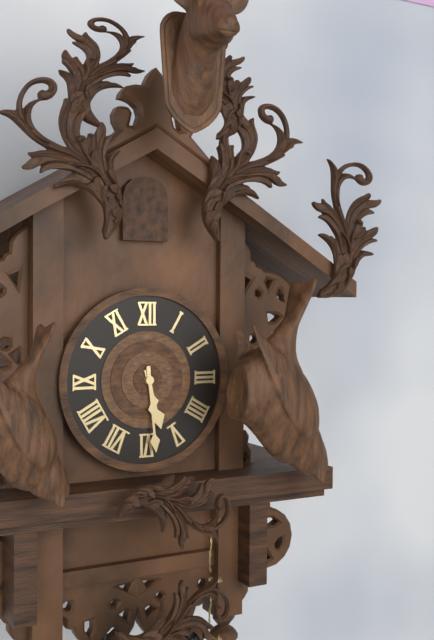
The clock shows **5:29**
